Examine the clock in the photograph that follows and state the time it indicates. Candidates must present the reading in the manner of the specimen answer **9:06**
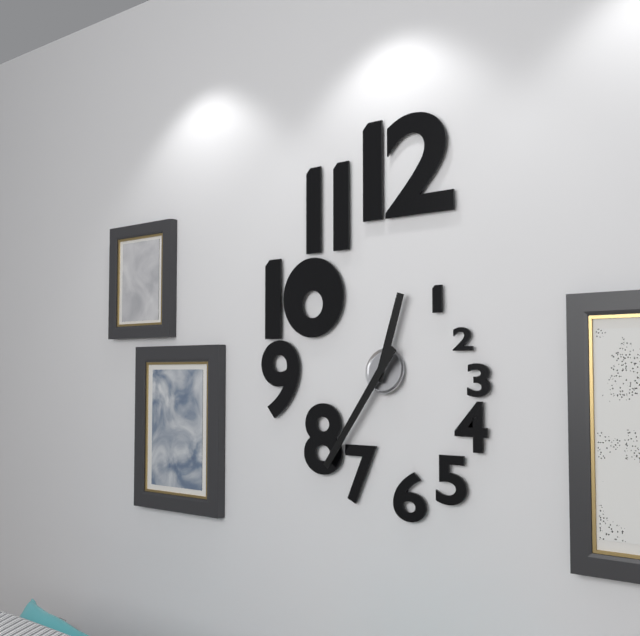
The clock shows **12:36**
